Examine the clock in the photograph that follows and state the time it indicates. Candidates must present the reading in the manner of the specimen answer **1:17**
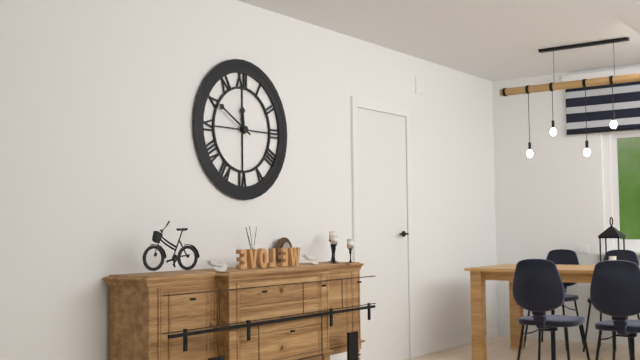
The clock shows **11:50**
